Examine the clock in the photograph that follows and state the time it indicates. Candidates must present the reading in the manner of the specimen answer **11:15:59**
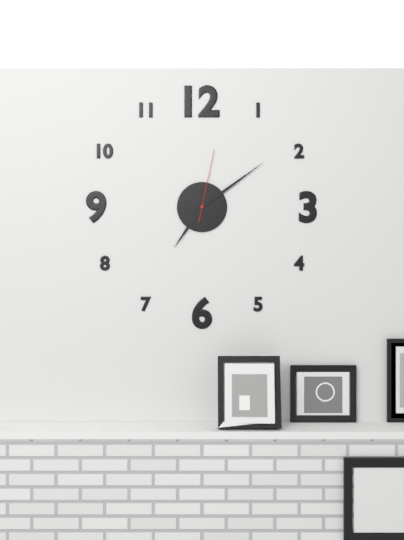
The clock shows **7:09:02**
